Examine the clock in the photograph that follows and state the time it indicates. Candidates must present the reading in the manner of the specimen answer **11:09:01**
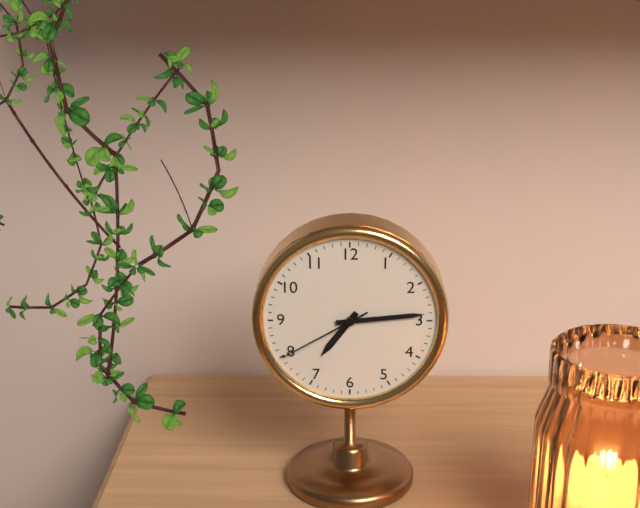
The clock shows **7:14:40**
